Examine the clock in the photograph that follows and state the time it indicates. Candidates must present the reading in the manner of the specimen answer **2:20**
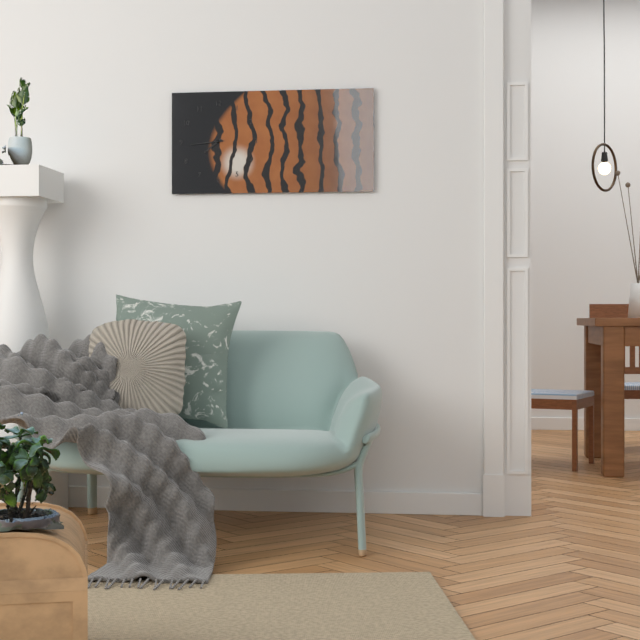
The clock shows **7:44**
